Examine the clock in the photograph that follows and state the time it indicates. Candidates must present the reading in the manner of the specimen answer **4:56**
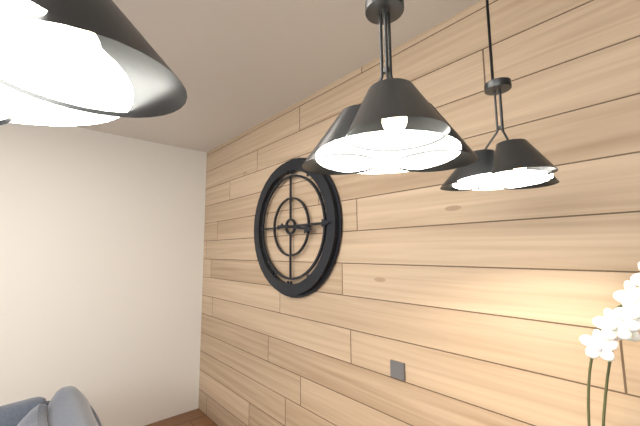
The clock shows **3:15**
